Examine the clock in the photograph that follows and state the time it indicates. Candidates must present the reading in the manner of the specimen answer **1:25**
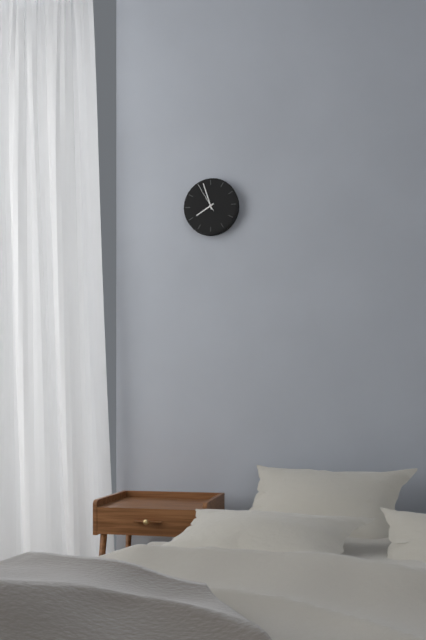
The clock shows **7:57**
